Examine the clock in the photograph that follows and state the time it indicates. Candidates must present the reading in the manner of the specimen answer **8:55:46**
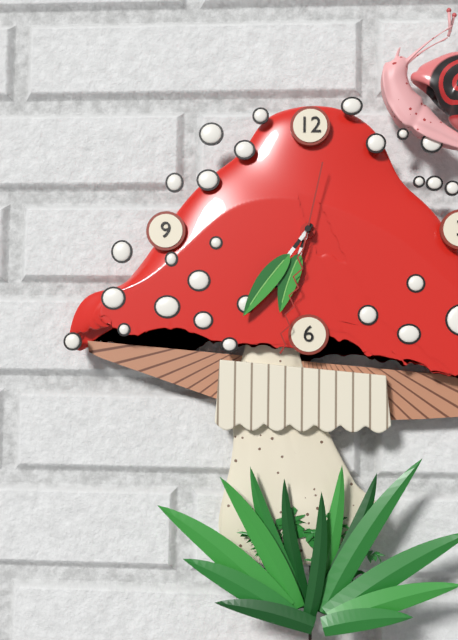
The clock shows **6:36:32**
